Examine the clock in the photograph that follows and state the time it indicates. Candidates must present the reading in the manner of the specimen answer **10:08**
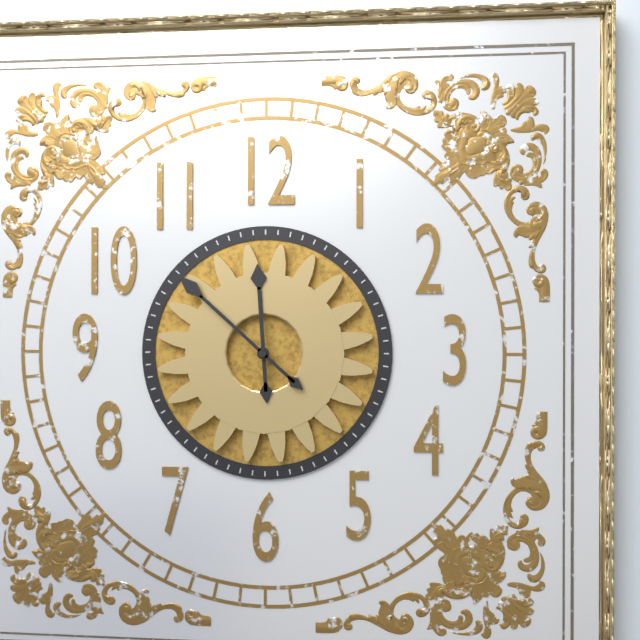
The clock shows **11:52**
